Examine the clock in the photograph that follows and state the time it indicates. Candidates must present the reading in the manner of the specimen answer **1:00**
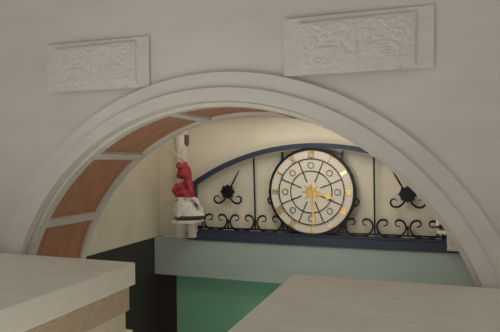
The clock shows **3:29**
